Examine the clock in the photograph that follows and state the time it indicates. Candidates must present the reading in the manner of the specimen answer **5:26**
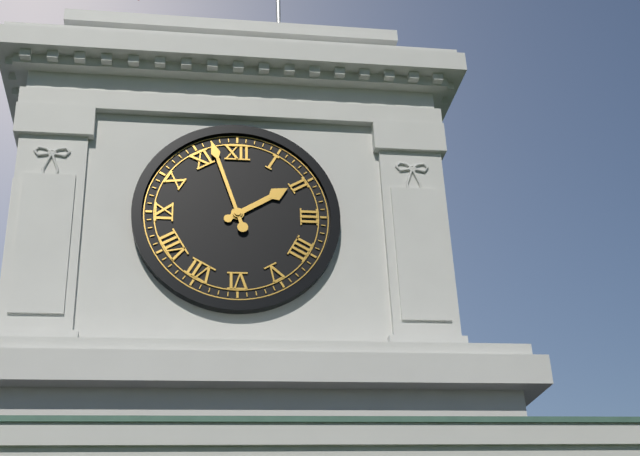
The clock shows **1:57**
